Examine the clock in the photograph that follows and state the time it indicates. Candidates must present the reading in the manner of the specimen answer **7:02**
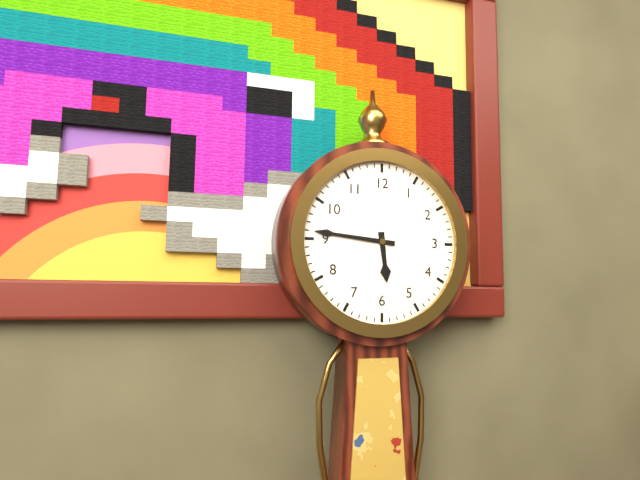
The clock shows **5:46**
